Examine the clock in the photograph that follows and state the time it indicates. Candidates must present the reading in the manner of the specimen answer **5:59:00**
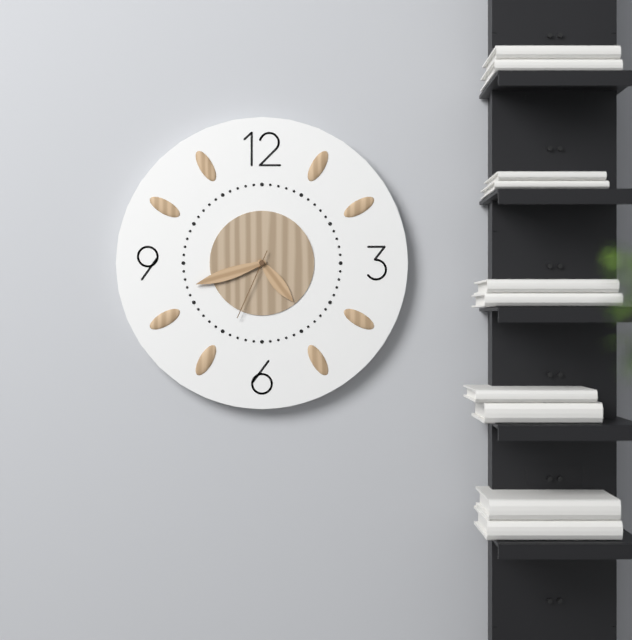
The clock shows **4:42:34**
